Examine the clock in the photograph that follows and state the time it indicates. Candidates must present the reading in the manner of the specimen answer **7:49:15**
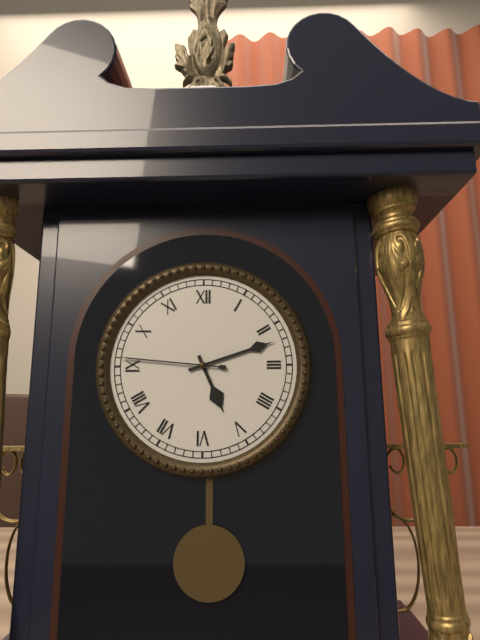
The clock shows **5:12:46**
